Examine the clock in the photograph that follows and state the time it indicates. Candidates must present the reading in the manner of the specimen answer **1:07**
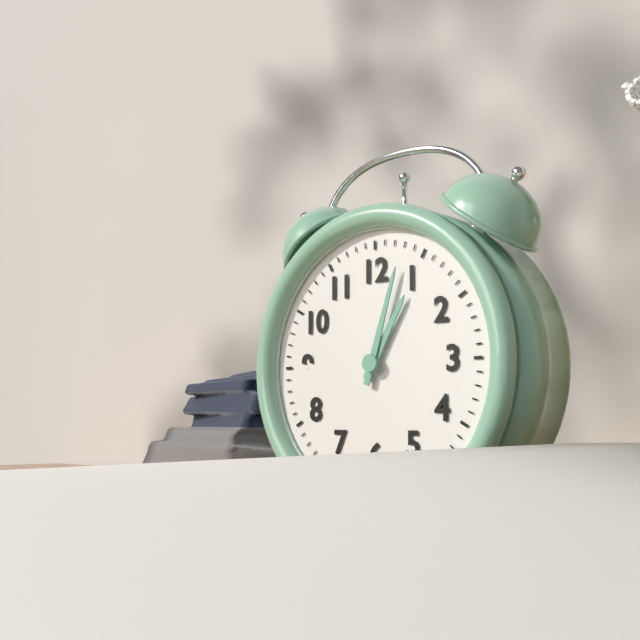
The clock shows **1:03**
